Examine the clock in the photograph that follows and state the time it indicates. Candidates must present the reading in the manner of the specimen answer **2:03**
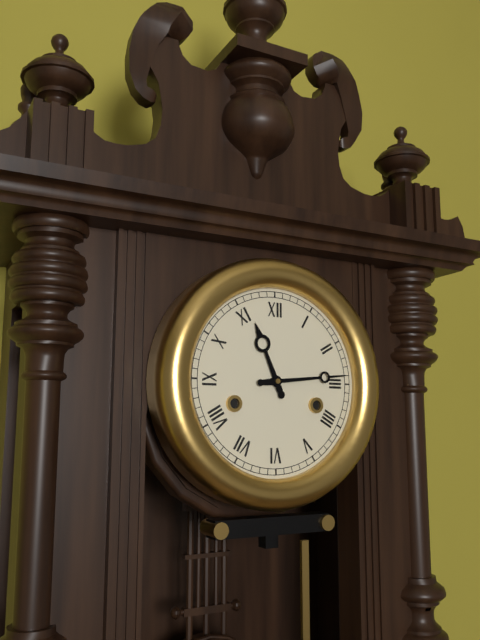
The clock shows **11:14**
